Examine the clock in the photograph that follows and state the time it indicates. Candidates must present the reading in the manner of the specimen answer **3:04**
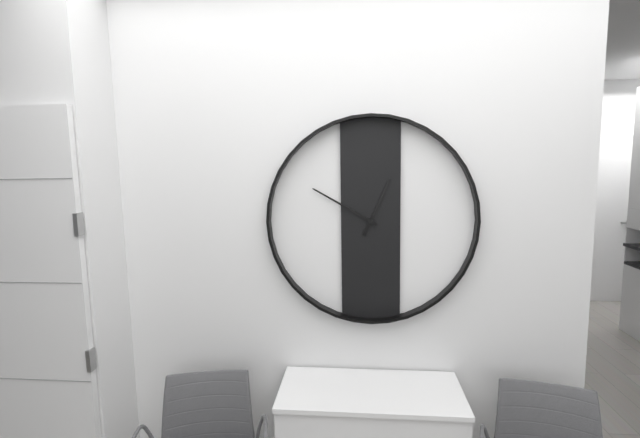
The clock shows **12:50**
